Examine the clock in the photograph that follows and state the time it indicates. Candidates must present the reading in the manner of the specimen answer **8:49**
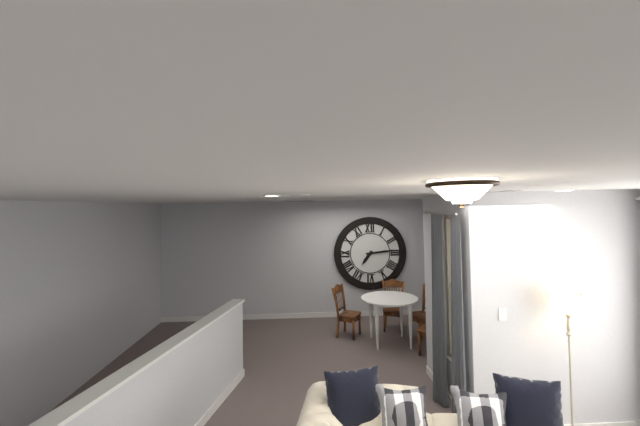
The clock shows **7:14**
